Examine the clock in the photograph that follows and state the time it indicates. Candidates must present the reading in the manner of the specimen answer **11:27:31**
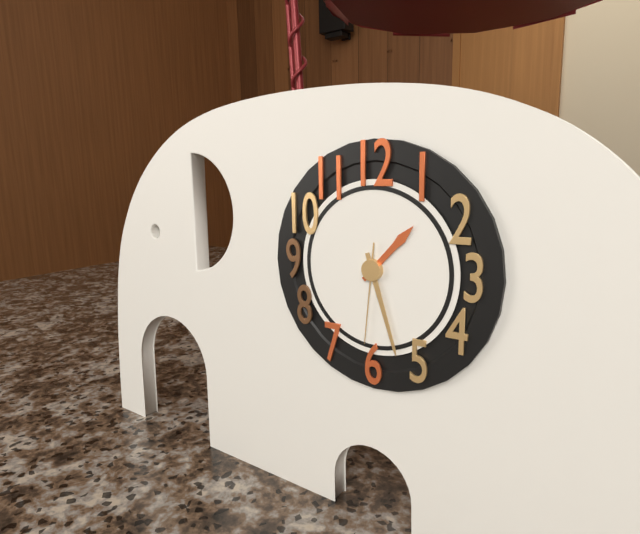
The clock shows **1:27:31**
